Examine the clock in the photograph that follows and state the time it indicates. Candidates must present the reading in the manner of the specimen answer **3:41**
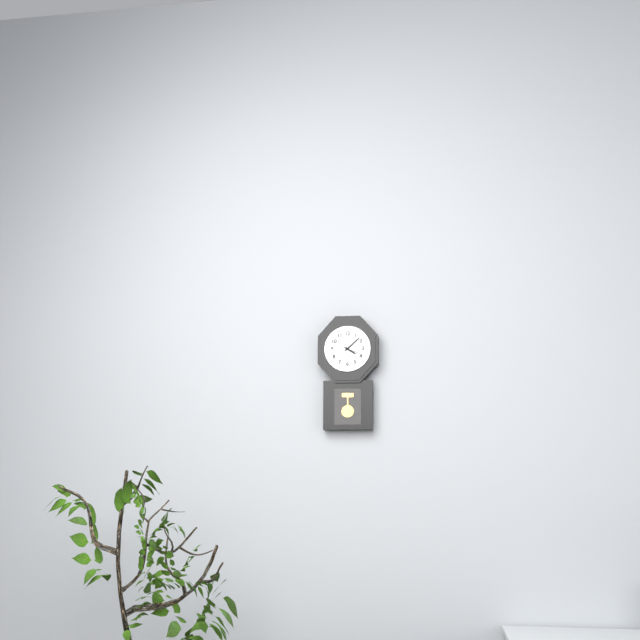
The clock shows **4:08**
